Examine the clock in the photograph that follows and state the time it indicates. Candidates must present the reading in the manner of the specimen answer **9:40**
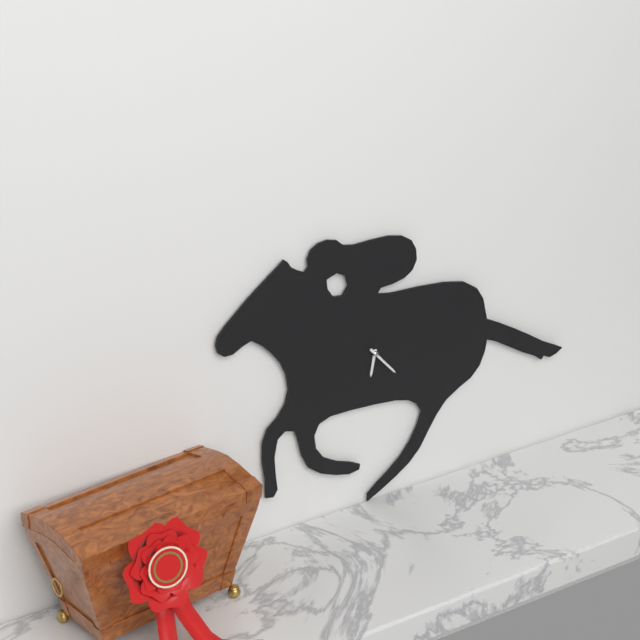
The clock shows **6:23**
